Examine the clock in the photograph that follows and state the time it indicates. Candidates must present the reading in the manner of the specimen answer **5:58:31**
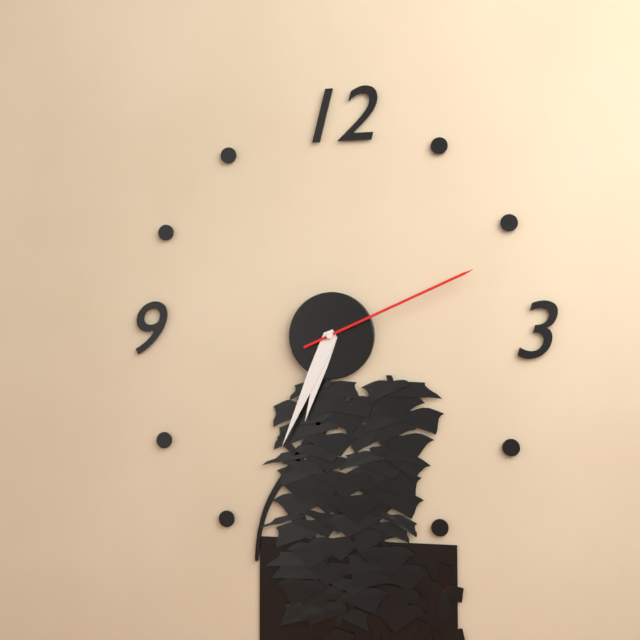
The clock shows **6:34:11**
